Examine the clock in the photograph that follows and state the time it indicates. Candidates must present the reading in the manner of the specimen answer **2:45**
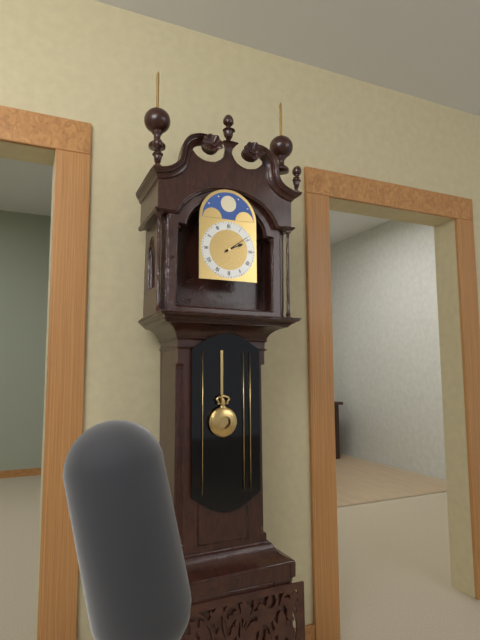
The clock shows **2:09**
